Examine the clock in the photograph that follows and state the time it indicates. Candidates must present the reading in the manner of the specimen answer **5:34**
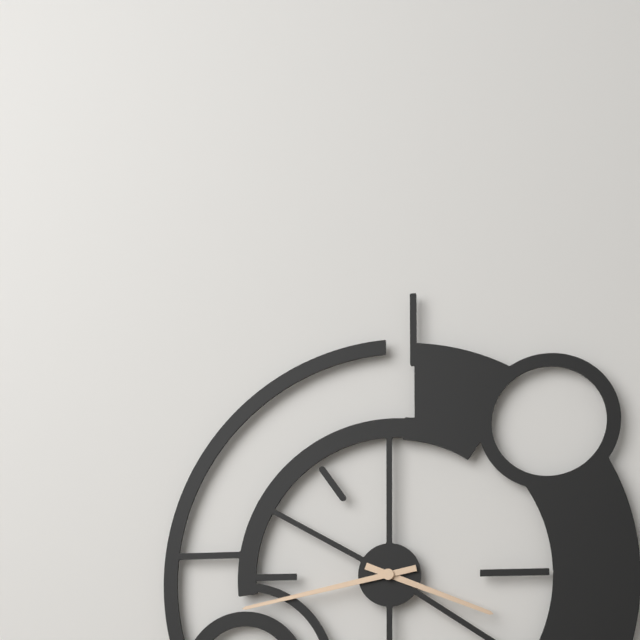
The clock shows **3:43**
